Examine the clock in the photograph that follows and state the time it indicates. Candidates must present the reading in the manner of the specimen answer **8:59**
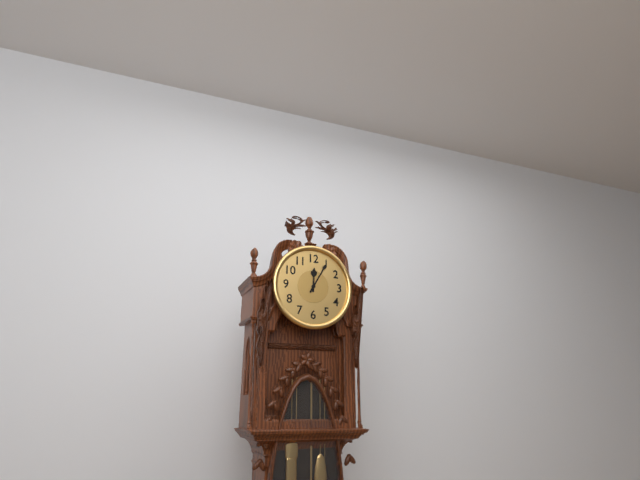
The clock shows **12:05**
